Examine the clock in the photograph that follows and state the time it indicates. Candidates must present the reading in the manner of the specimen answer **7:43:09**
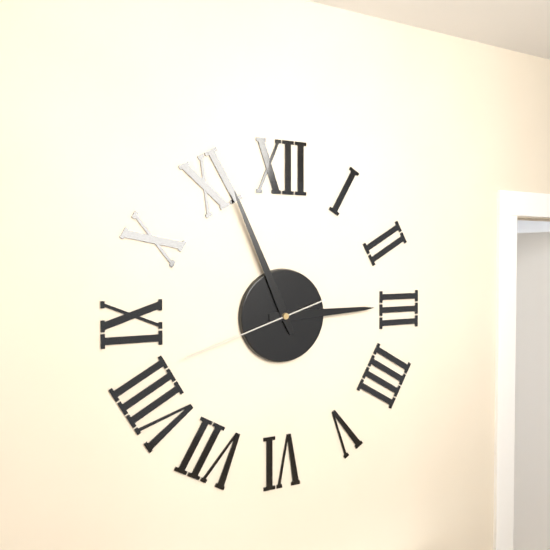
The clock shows **2:56:42**
